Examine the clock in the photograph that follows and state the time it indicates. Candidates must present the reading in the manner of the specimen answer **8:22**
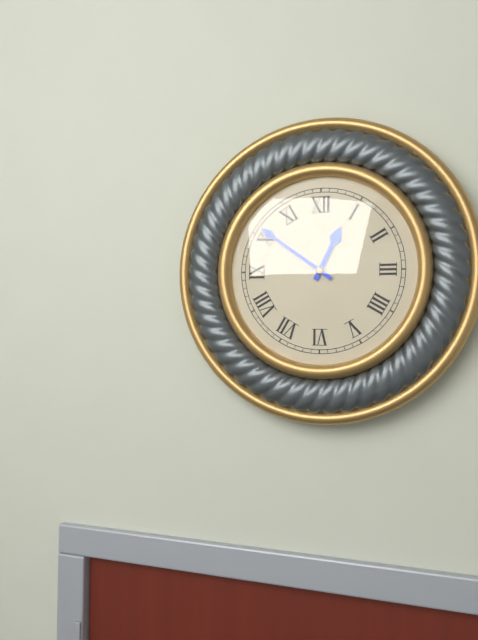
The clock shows **12:51**
